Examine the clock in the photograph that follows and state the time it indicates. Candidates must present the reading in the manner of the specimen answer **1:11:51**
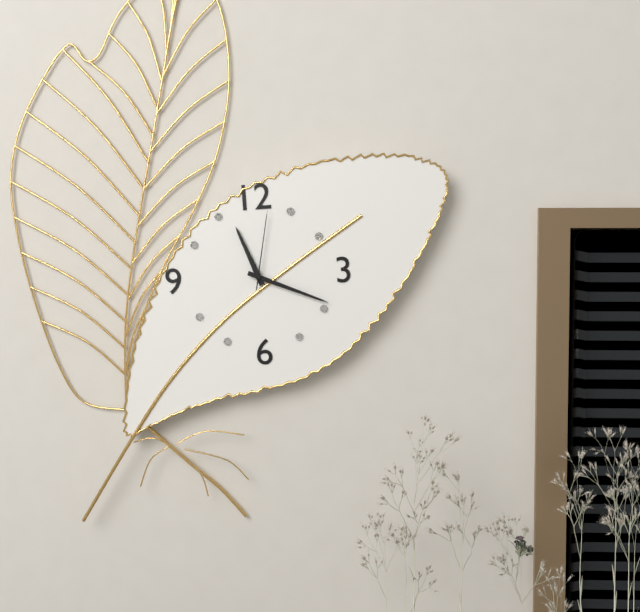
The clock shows **11:19:02**
